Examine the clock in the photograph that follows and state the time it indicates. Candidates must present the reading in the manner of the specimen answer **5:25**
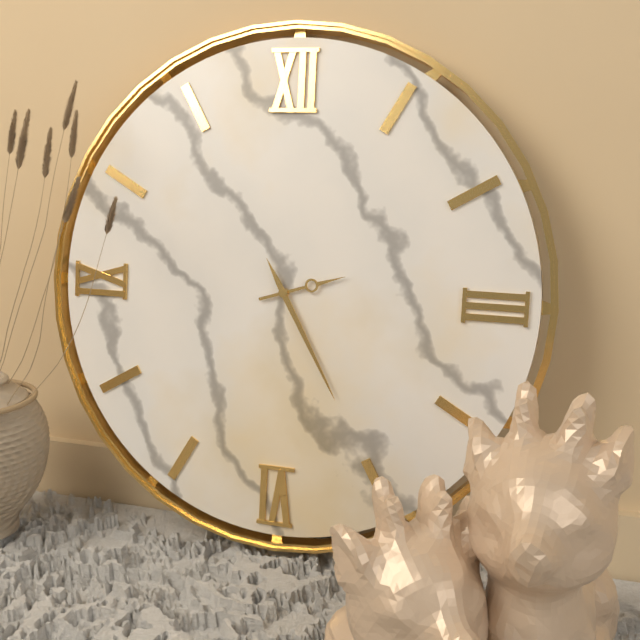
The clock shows **2:25**
